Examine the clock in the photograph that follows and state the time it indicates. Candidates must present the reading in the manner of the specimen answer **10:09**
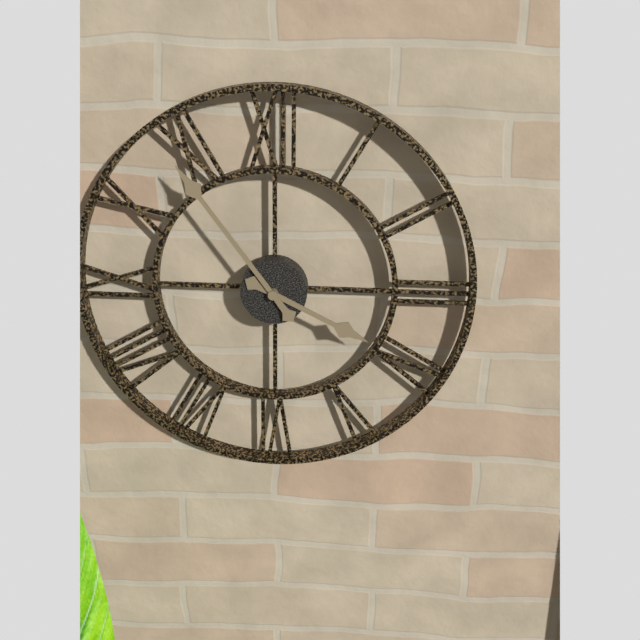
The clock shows **3:54**
